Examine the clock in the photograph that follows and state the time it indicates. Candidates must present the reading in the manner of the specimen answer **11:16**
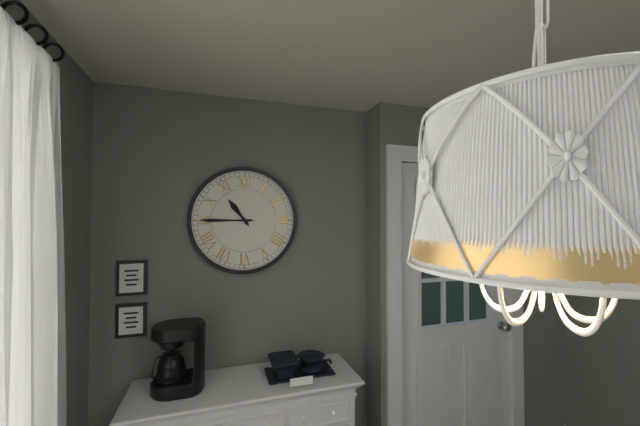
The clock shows **10:45**
